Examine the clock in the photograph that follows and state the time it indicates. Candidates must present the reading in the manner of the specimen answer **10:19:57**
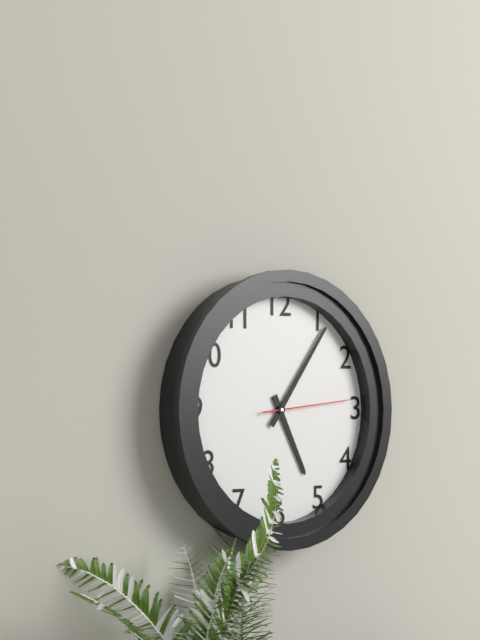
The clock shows **5:06:14**
